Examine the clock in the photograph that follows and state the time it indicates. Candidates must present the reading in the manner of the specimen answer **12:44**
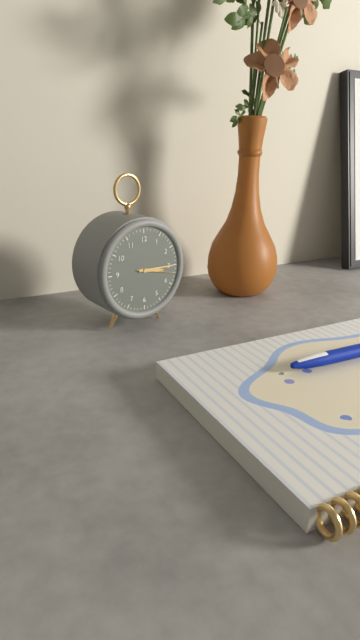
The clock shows **3:15**
